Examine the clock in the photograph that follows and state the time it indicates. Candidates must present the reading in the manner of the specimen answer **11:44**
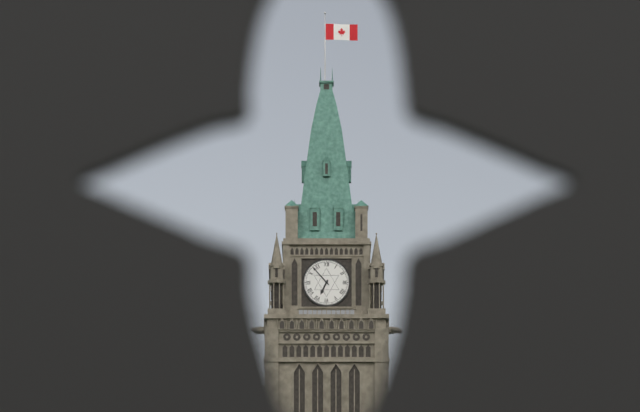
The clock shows **6:53**
